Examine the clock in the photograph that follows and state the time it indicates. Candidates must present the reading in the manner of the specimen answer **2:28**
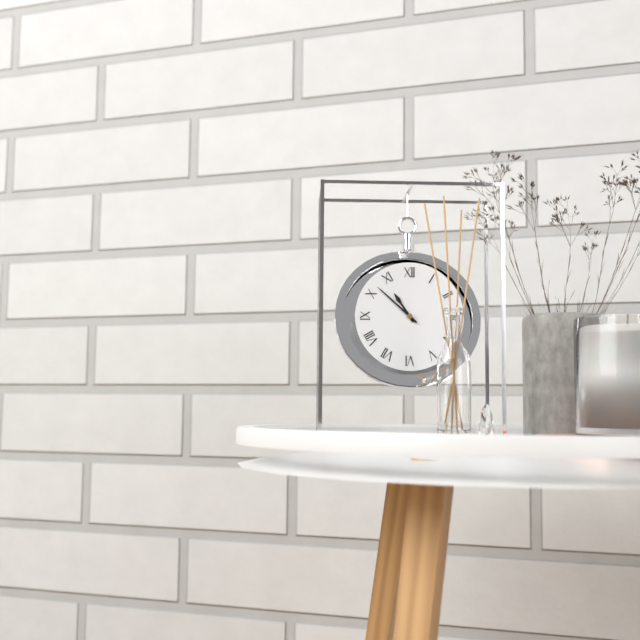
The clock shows **10:52**
